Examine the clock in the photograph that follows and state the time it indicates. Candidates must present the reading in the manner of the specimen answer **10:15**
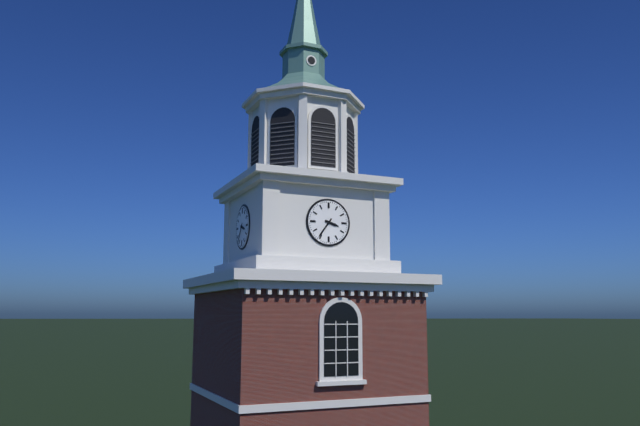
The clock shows **3:36**
